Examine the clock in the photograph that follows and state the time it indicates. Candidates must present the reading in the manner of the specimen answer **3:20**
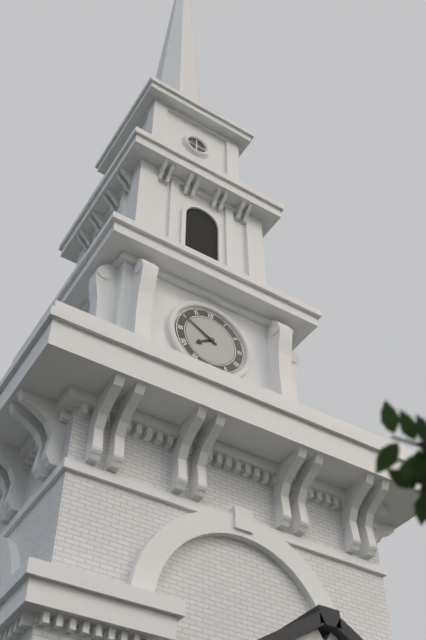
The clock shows **7:50**
